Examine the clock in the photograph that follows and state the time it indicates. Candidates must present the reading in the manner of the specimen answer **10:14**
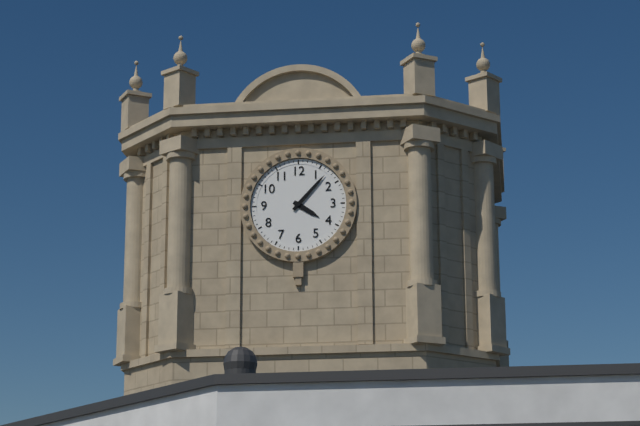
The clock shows **4:07**
